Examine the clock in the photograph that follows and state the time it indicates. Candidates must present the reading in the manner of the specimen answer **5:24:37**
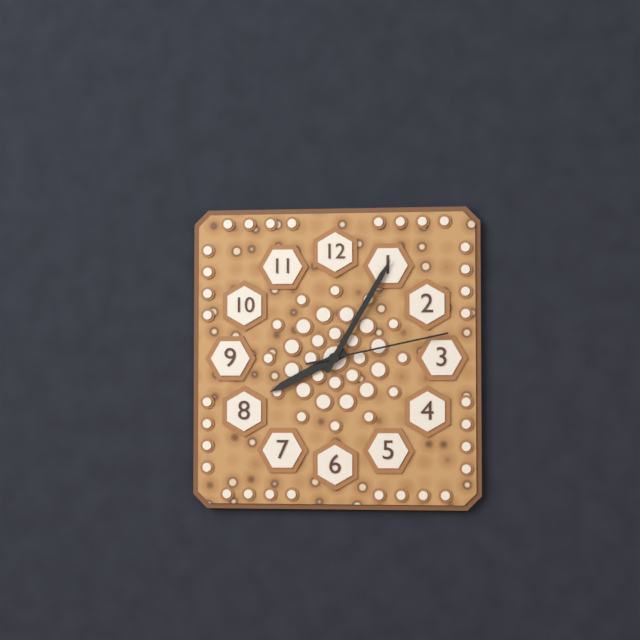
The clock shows **8:05:13**
